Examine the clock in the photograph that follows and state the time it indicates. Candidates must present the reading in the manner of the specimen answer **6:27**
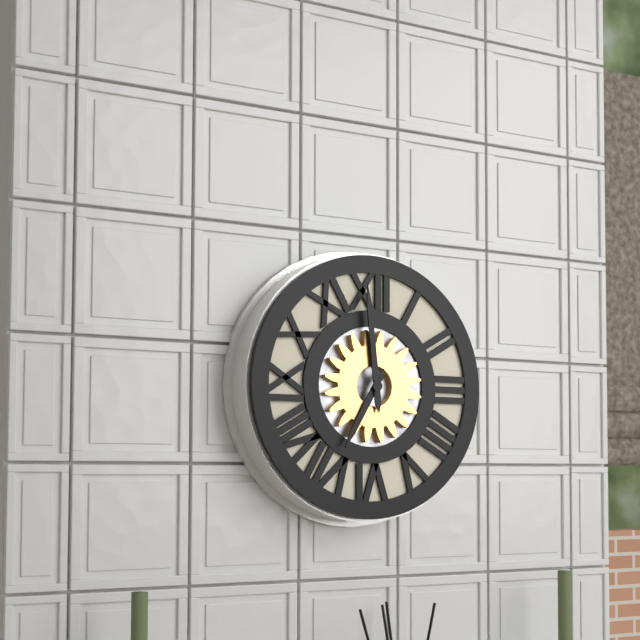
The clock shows **6:59**
